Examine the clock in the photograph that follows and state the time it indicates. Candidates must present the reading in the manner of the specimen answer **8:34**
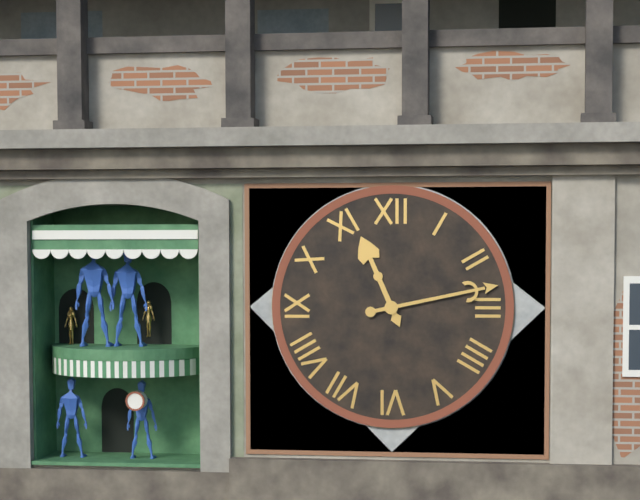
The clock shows **11:13**
